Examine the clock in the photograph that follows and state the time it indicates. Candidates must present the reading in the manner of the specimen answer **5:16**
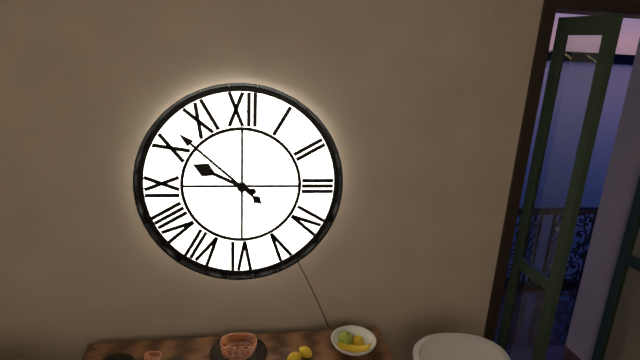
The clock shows **9:52**
